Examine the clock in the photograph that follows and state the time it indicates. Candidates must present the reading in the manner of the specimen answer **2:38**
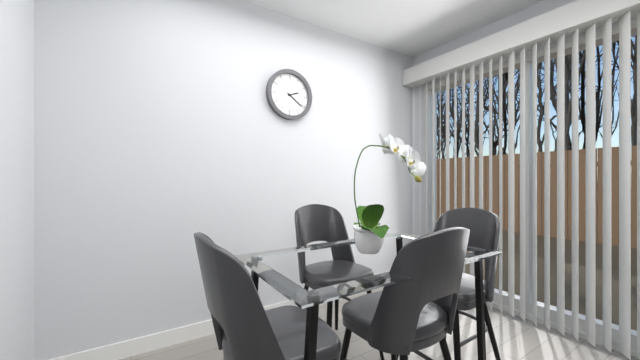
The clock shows **2:21**
